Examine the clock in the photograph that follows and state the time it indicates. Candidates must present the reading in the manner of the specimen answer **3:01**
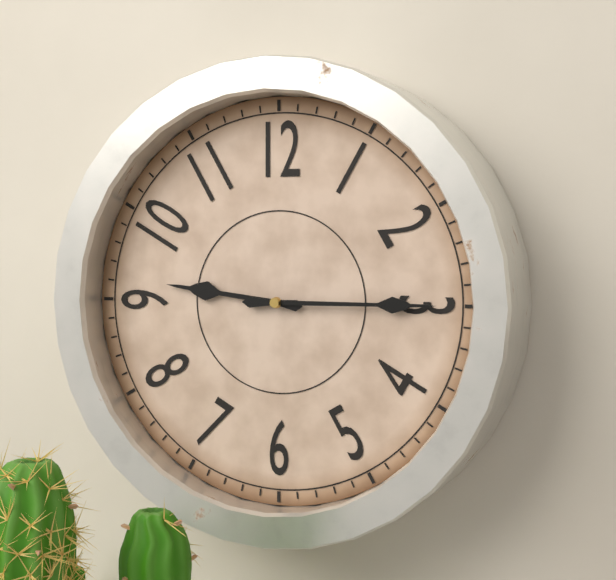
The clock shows **9:15**
